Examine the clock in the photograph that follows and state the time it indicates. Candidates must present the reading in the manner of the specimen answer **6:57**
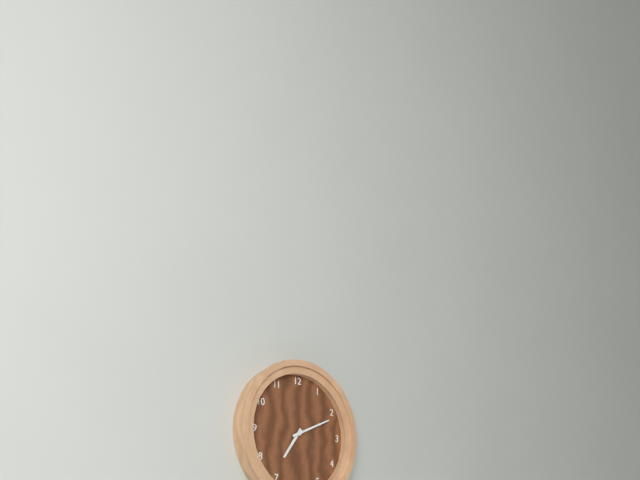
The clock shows **7:11**
